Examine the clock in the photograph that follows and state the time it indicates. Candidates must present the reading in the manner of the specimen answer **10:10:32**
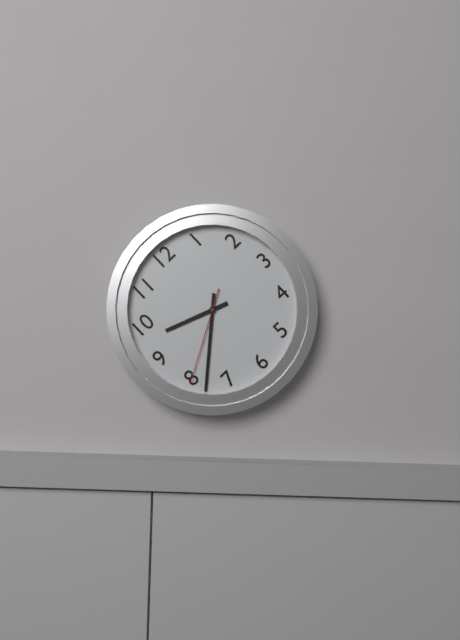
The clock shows **9:38:40**
